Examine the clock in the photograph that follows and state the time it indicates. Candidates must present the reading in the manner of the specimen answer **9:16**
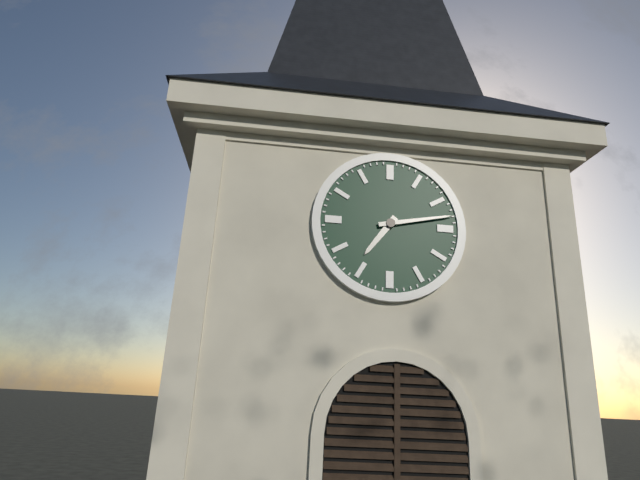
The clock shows **7:13**
